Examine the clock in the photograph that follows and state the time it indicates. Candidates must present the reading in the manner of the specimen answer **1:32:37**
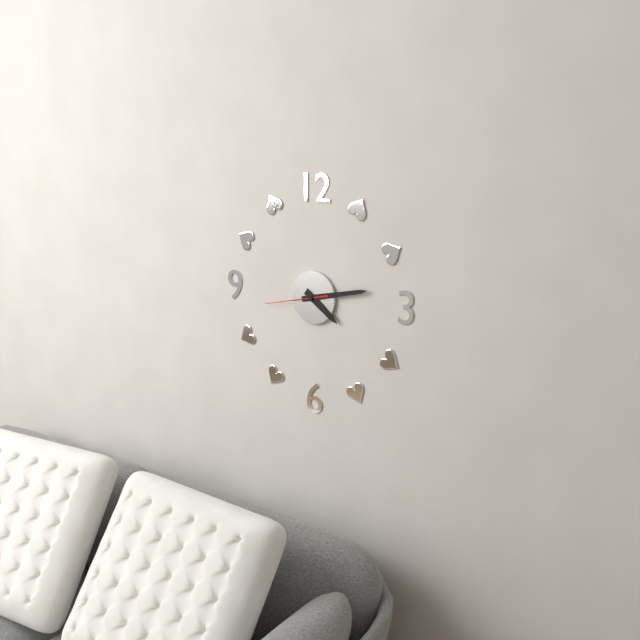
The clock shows **4:13:43**
